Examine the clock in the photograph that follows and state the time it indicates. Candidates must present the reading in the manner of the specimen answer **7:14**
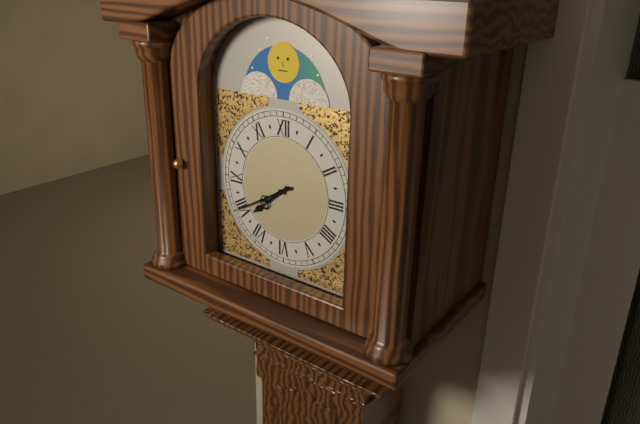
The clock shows **7:40**
